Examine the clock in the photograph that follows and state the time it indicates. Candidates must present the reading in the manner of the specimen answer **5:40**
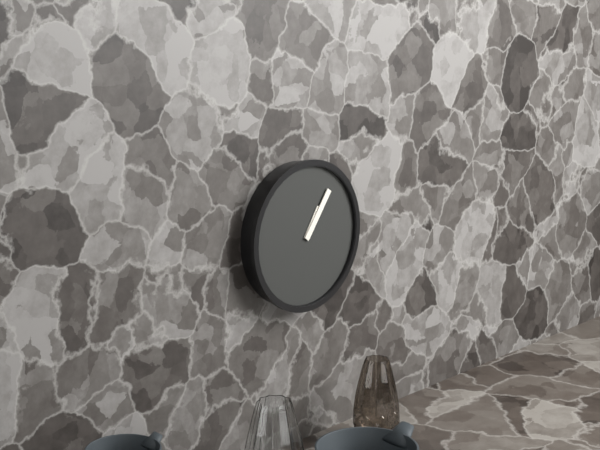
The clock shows **1:06**
